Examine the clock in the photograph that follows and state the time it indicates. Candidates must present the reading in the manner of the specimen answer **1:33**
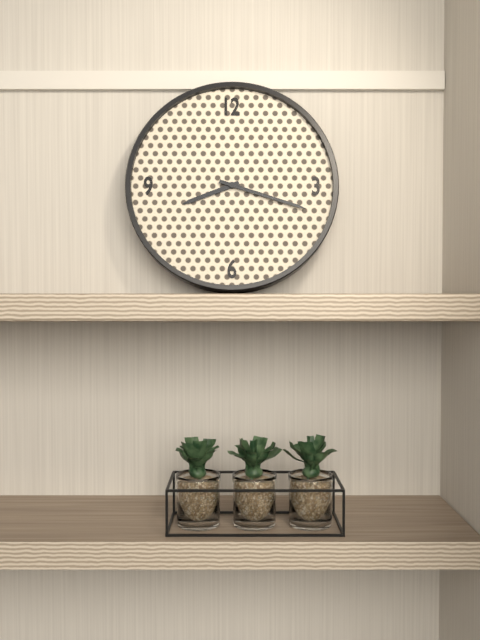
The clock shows **8:18**
